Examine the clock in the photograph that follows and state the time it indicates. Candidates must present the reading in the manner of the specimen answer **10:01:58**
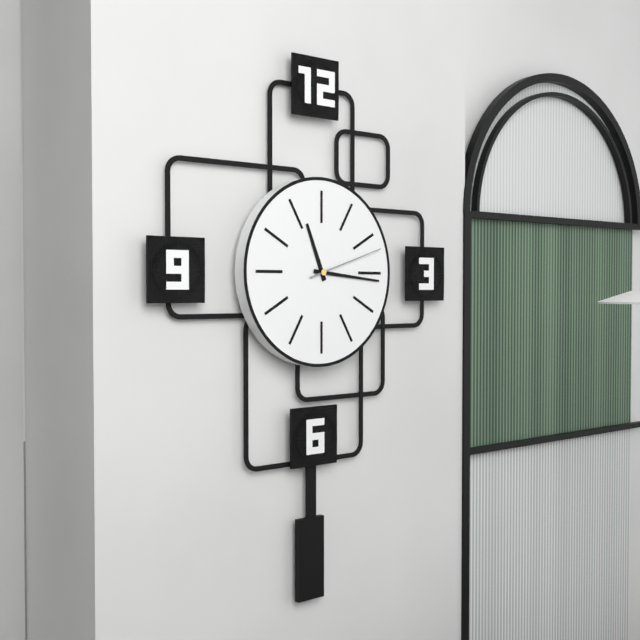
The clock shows **11:16:12**
